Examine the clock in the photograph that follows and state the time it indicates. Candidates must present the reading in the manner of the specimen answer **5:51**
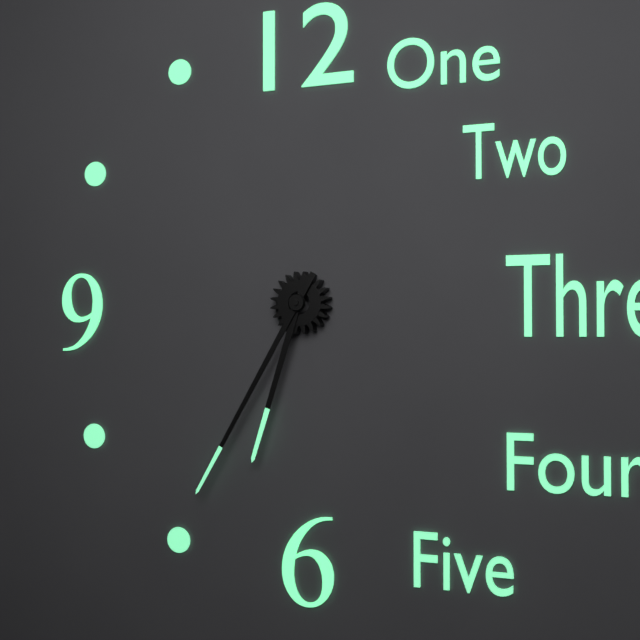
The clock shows **6:35**
